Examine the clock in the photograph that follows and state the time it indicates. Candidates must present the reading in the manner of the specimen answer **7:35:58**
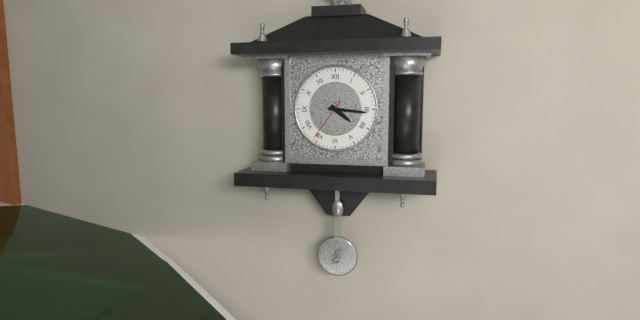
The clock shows **4:16:36**
